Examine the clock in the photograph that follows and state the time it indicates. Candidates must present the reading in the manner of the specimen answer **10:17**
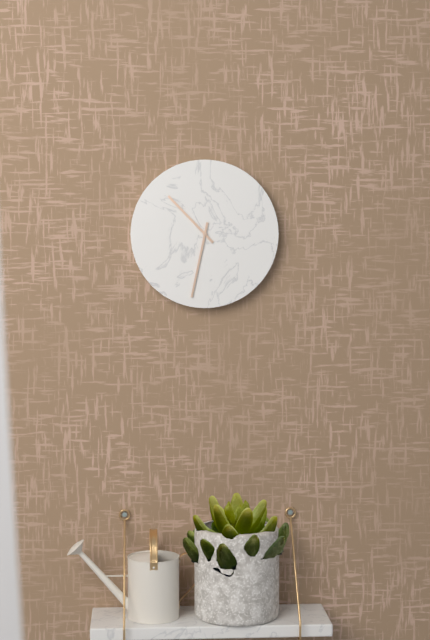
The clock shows **10:32**
